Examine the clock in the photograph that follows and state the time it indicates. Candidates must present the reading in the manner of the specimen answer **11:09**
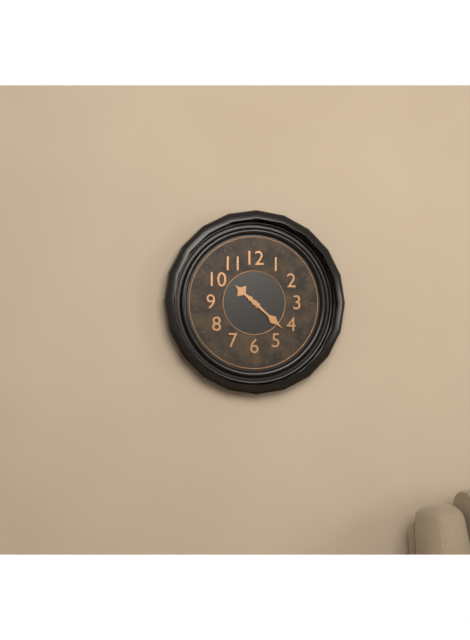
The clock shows **10:22**
